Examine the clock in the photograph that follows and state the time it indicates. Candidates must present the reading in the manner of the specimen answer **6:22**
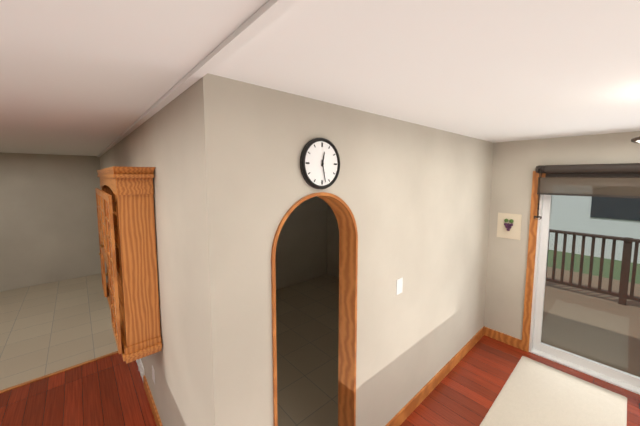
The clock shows **12:28**
